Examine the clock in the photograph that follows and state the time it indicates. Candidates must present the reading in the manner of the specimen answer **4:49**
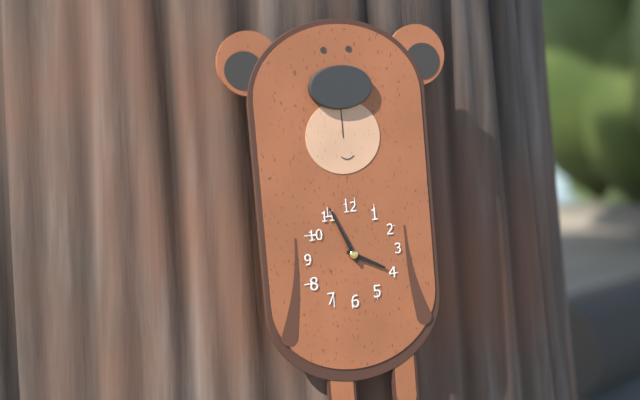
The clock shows **3:56**
